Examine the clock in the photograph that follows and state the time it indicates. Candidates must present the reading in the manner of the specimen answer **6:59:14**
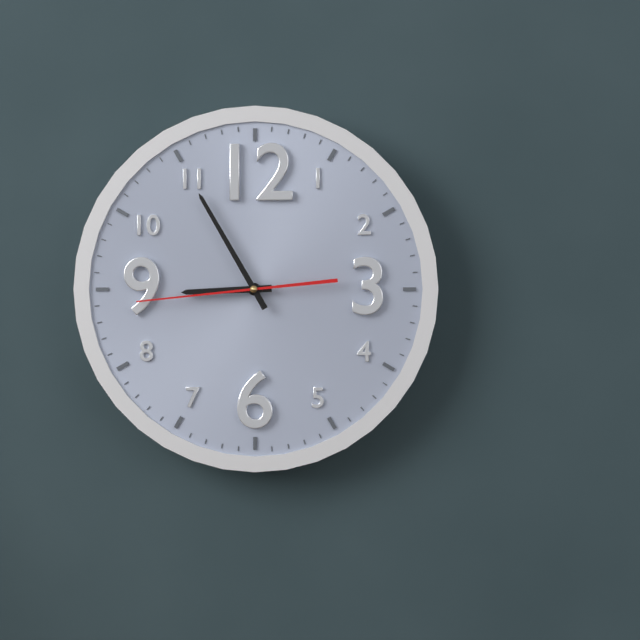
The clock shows **8:55:44**
